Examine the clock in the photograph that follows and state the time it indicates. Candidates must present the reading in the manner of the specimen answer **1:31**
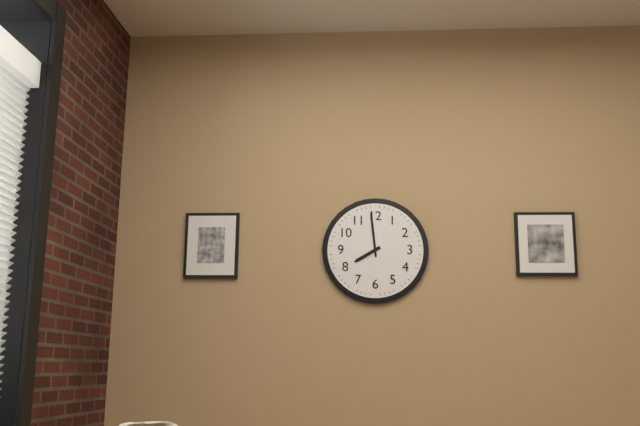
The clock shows **7:59**
